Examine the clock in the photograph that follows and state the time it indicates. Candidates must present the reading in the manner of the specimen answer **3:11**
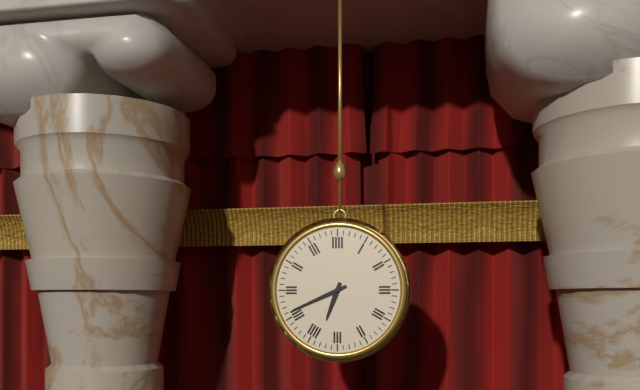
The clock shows **6:41**
